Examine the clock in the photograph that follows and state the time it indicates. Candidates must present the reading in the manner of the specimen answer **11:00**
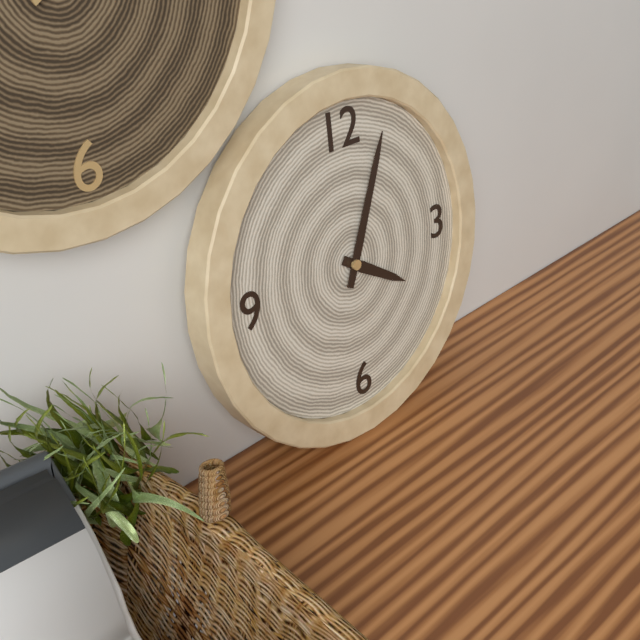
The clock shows **4:04**
